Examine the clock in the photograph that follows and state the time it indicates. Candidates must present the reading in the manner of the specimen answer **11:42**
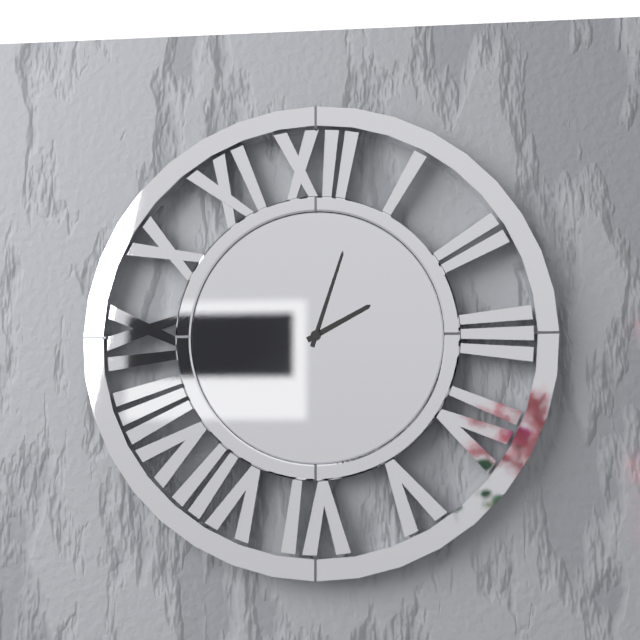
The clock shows **2:03**
